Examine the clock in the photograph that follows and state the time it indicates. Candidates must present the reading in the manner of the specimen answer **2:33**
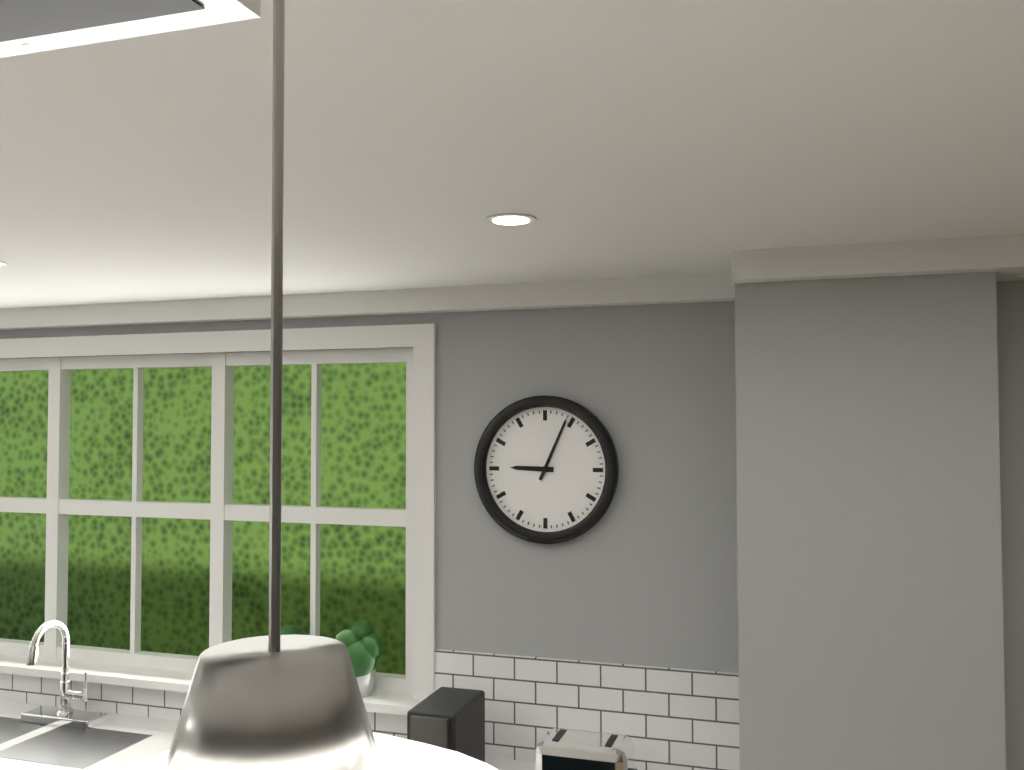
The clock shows **9:04**
